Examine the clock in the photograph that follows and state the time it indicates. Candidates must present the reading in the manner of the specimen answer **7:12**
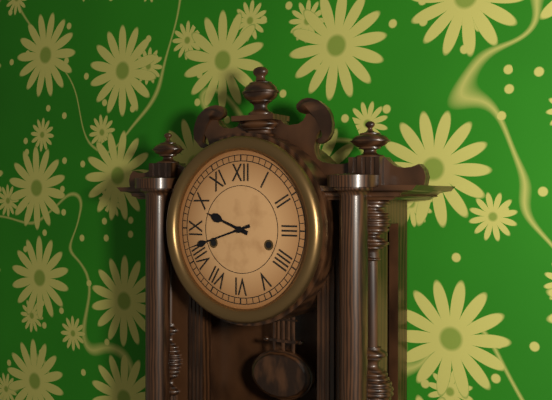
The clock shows **9:42**
